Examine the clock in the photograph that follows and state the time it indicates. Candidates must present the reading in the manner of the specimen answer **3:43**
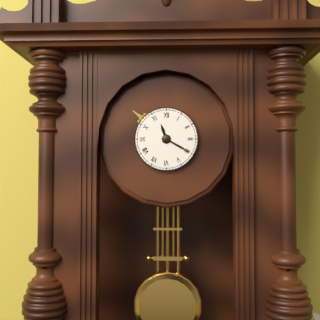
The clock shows **11:20**
